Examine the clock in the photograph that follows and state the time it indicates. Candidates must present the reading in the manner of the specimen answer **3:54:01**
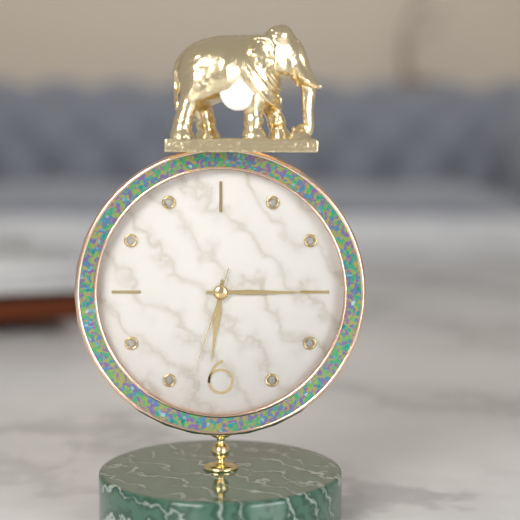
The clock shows **6:15:33**
